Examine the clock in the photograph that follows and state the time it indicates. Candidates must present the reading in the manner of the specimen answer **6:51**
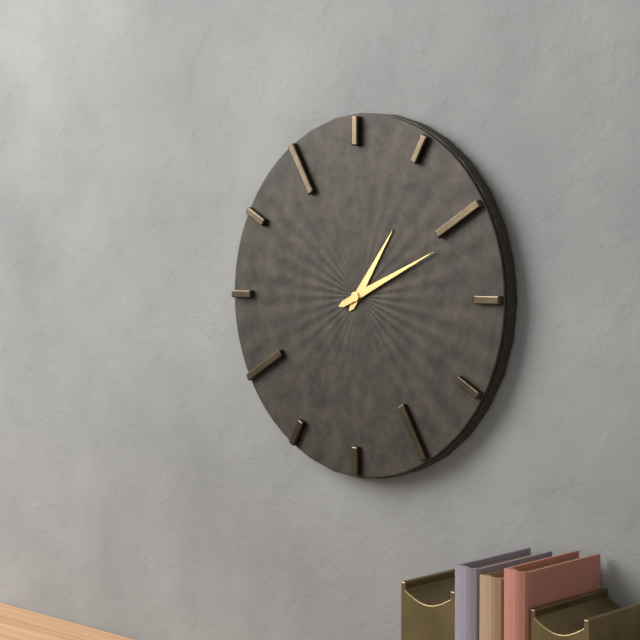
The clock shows **1:11**
